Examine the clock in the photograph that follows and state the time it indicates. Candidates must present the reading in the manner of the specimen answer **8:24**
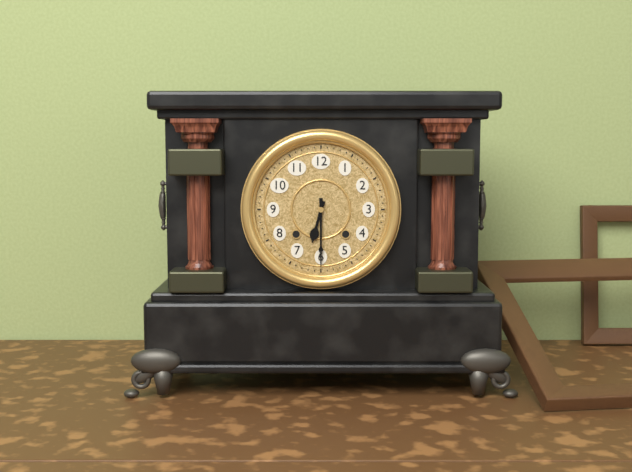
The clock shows **6:30**
